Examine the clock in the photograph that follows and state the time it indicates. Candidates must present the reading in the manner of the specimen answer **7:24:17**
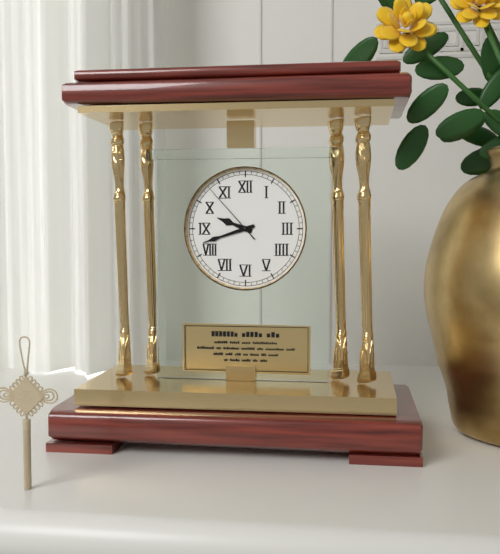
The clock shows **9:42:53**
